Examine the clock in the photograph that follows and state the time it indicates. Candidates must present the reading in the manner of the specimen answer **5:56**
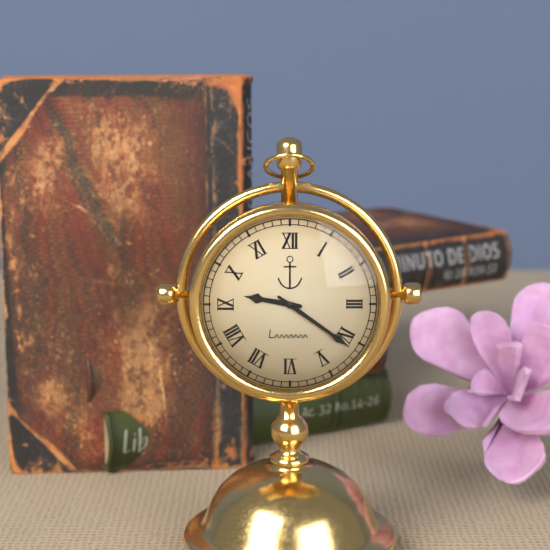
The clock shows **9:21**
